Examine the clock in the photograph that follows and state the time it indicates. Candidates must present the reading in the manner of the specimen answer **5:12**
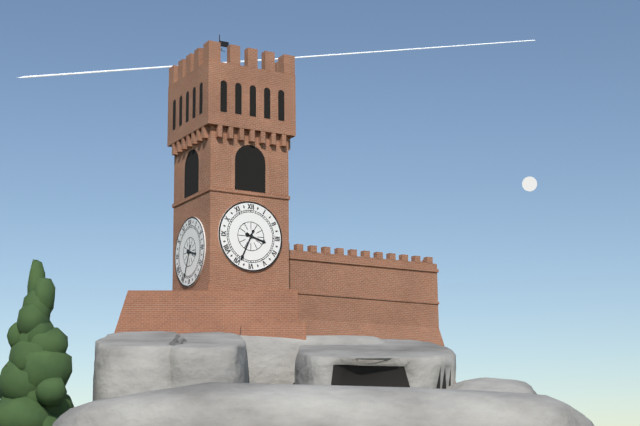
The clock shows **3:34**
